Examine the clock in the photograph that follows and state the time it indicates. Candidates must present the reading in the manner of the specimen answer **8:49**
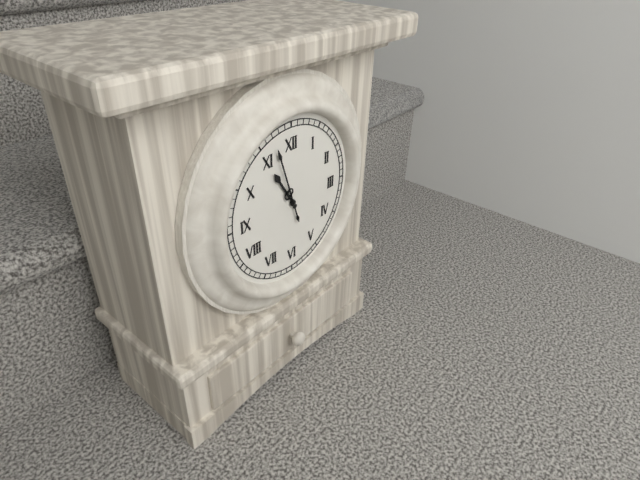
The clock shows **10:57**
